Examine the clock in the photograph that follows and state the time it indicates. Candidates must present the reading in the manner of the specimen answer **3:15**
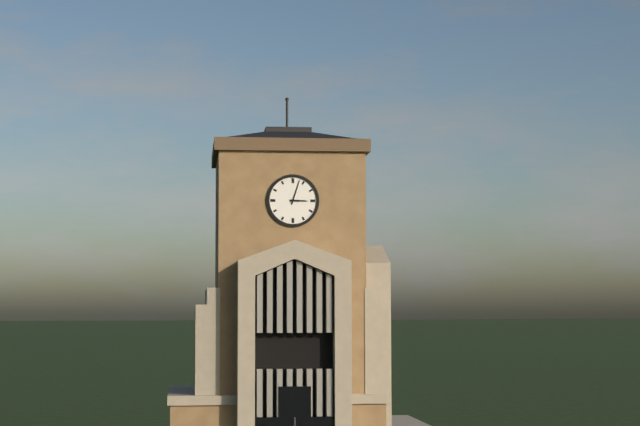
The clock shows **3:03**
